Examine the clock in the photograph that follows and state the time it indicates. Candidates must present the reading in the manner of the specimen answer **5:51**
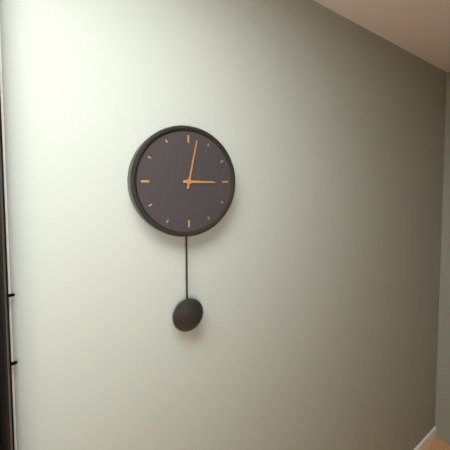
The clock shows **3:02**
